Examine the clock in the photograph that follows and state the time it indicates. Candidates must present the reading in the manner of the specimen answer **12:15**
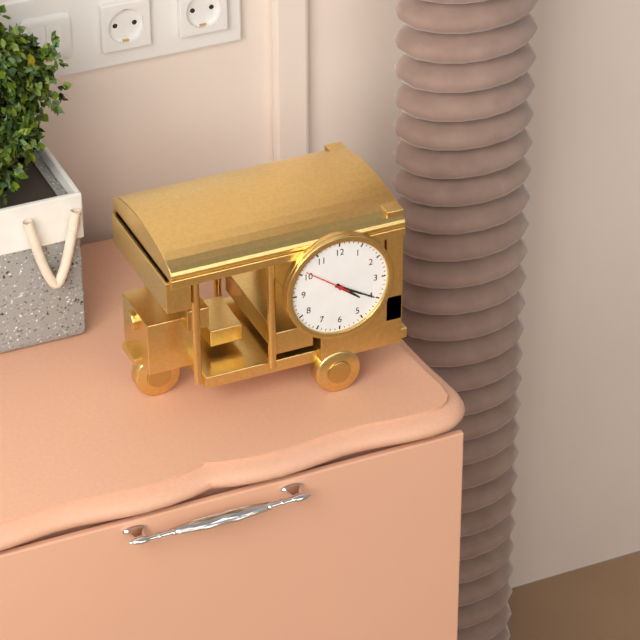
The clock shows **4:20**
